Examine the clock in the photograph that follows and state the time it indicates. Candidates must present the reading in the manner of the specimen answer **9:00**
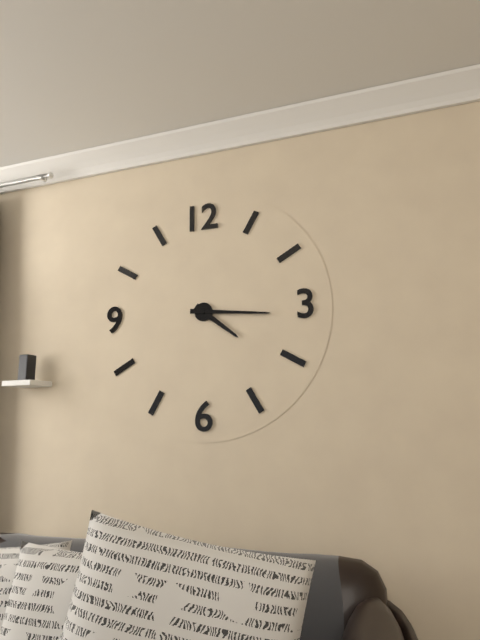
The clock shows **4:16**
